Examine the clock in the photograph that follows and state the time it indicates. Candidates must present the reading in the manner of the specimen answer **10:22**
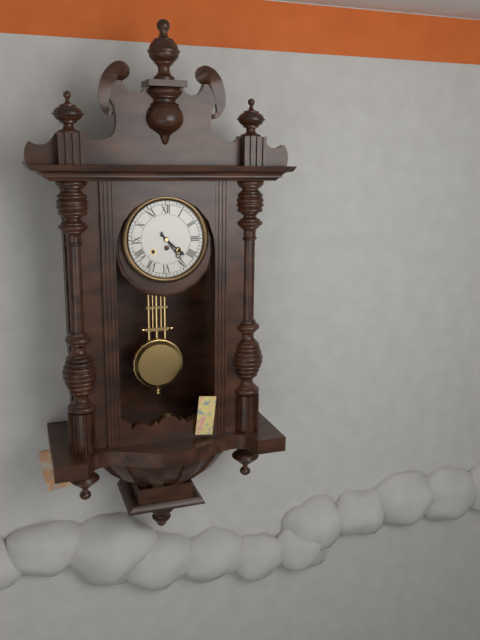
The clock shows **4:24**
